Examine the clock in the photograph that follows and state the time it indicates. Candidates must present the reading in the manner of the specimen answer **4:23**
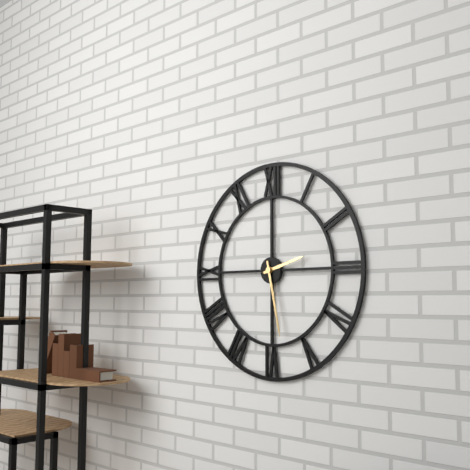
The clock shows **2:28**
